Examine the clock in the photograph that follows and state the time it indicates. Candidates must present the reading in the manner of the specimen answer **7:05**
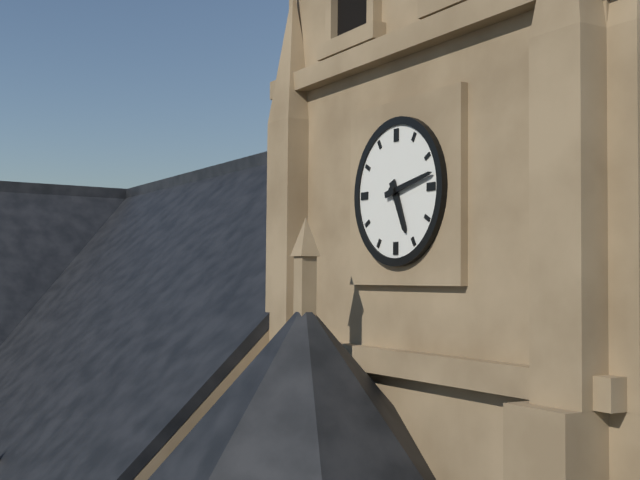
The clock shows **5:13**
